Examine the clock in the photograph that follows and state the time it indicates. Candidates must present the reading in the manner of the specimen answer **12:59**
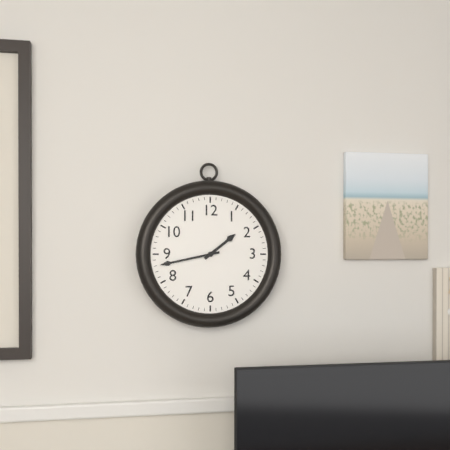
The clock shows **1:43**
